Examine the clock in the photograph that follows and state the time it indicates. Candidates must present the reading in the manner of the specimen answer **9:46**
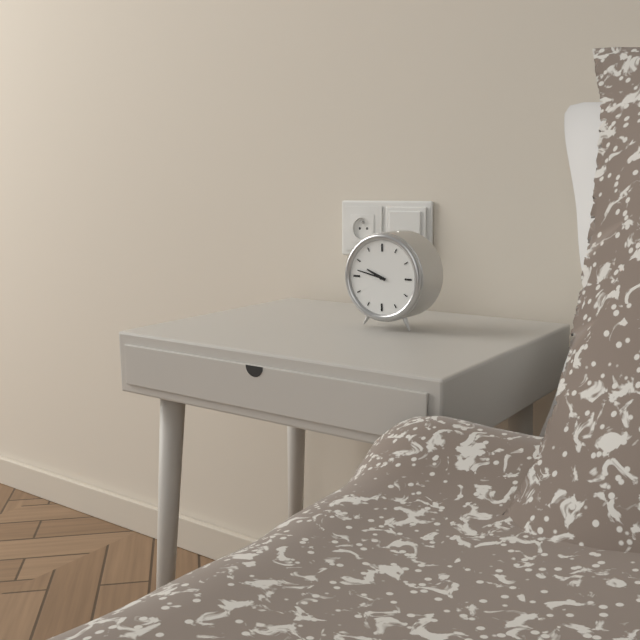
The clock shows **9:47**
